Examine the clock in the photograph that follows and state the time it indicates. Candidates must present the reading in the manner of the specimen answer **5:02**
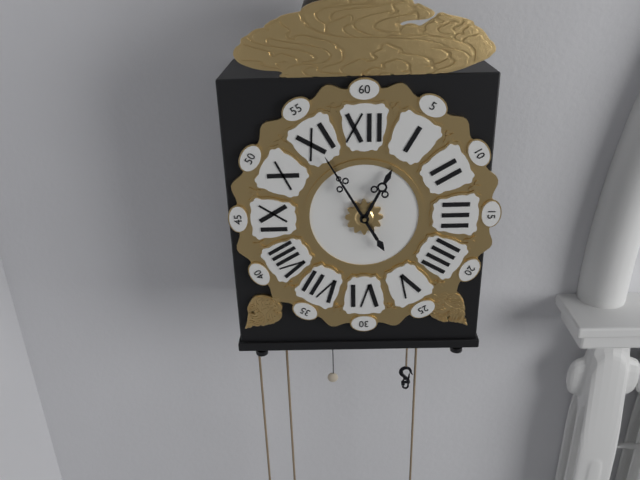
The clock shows **12:55**
